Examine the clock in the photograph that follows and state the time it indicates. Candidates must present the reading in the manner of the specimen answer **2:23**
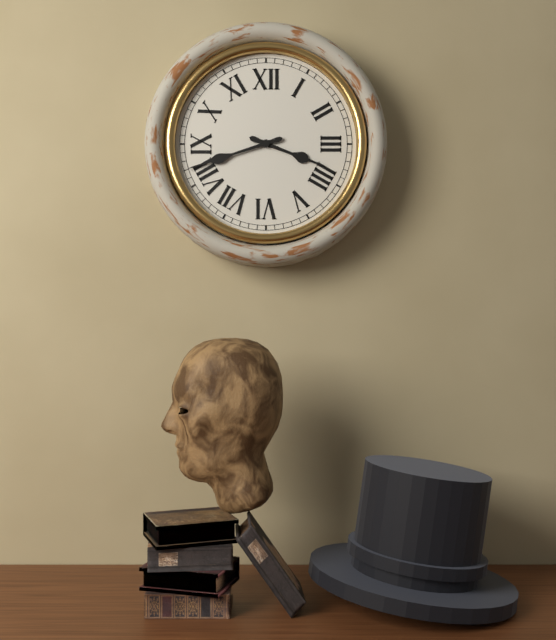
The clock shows **3:42**
